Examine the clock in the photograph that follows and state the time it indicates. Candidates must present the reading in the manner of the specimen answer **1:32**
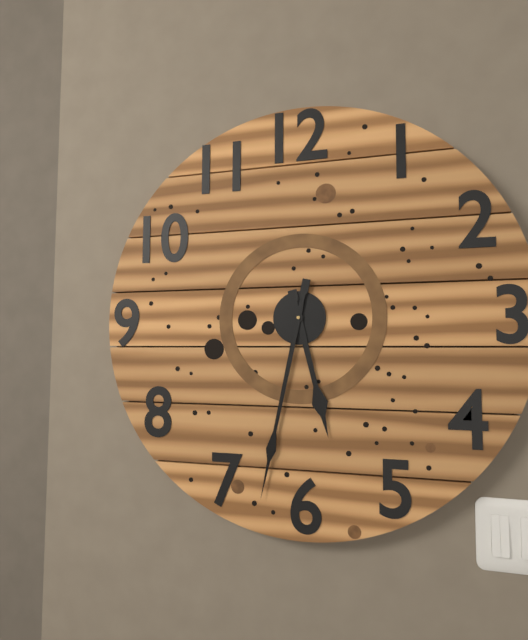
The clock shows **5:32**
